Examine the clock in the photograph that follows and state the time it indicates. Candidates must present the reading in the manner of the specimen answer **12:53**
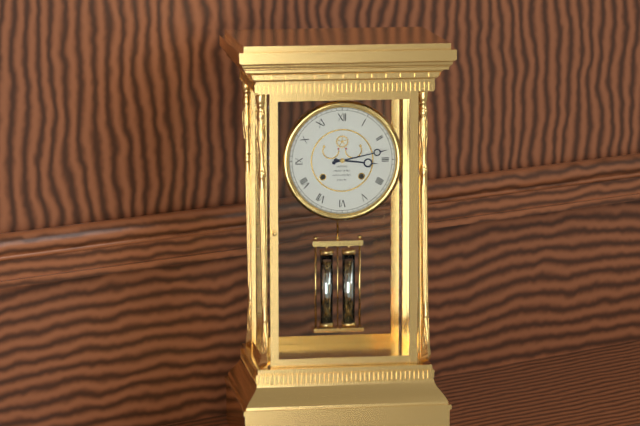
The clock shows **3:13**
